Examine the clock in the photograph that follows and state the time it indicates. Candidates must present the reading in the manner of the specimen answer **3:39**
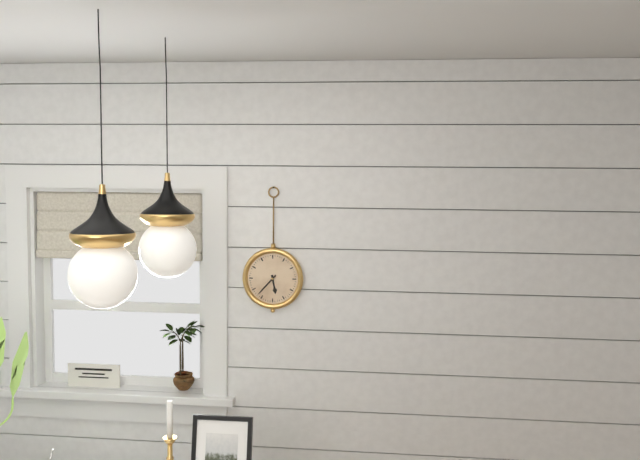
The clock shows **5:37**
